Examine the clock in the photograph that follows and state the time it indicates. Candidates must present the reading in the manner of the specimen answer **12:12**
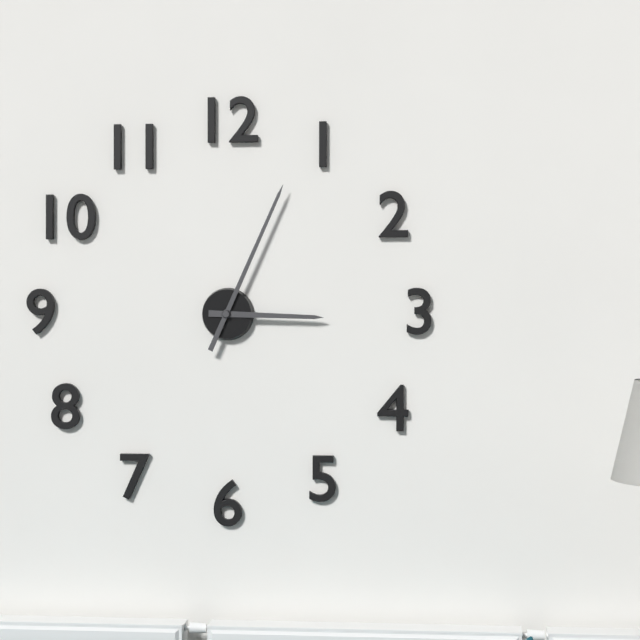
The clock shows **3:04**
